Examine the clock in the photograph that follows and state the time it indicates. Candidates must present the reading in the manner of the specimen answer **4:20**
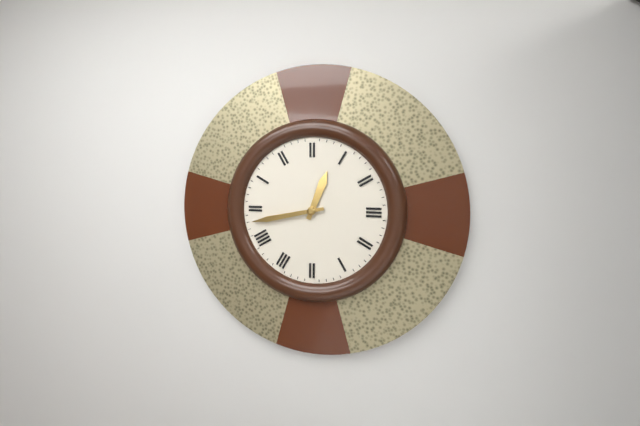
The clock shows **12:43**
